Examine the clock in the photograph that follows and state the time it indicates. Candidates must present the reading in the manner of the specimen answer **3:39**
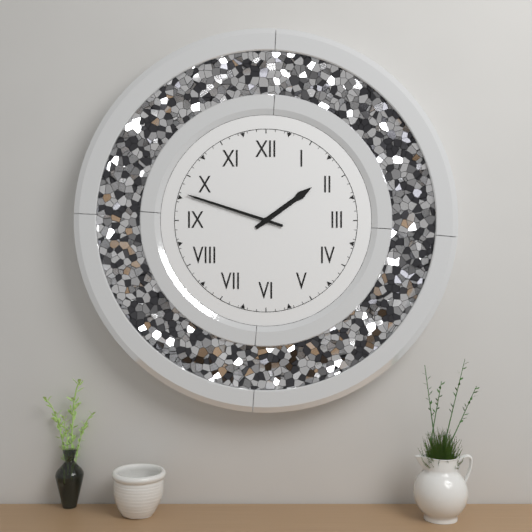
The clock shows **1:48**
